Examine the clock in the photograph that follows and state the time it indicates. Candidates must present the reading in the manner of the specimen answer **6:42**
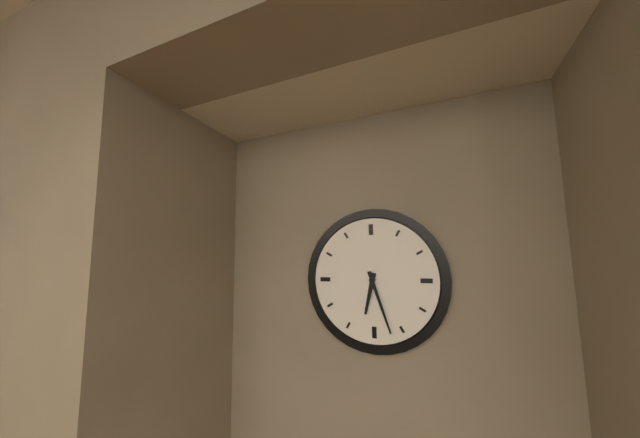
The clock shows **6:27**
